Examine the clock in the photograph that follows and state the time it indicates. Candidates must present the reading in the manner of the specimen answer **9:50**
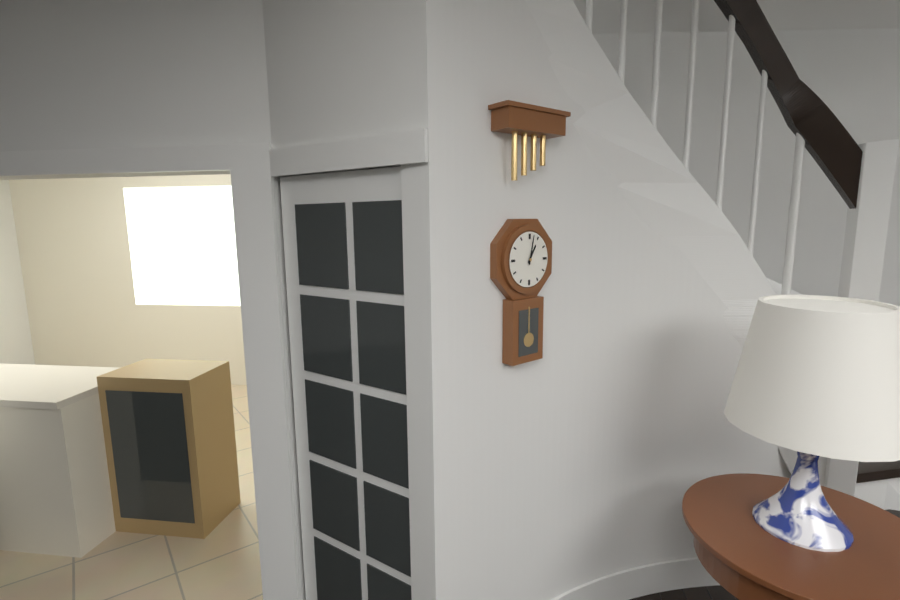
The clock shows **1:02**
